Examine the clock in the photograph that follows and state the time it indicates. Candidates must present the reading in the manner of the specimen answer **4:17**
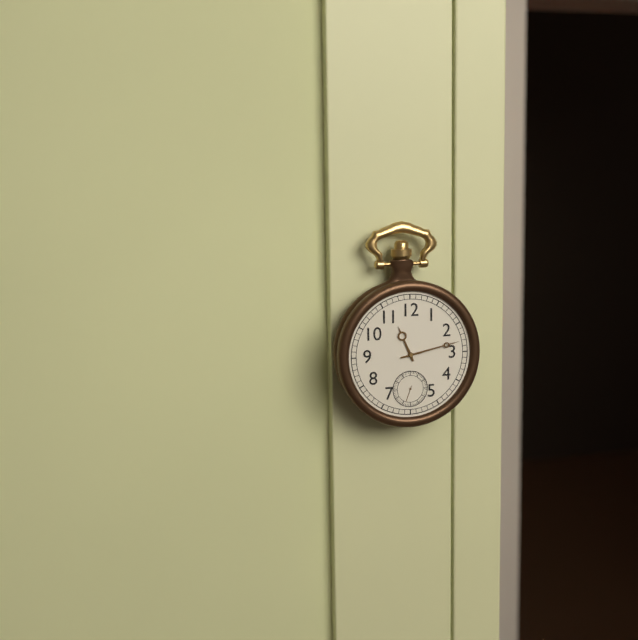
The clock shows **11:13**
